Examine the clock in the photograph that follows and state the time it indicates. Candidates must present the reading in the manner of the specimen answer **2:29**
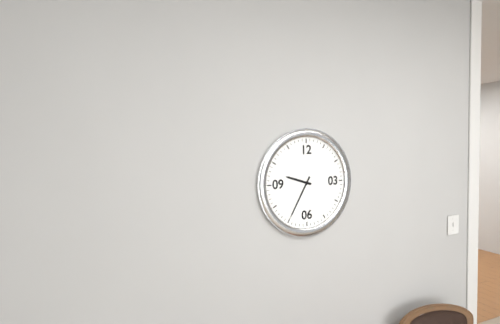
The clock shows **9:35**
